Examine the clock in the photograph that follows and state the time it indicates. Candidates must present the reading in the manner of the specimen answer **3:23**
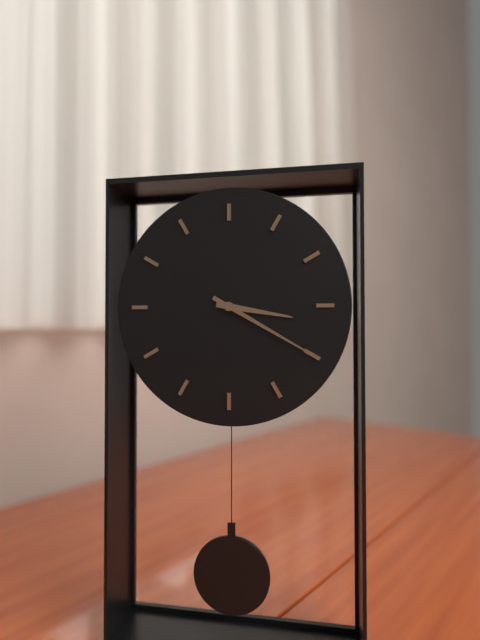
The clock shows **3:20**
